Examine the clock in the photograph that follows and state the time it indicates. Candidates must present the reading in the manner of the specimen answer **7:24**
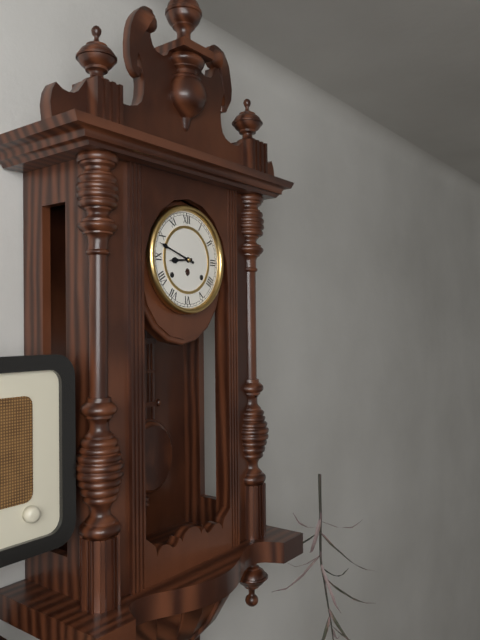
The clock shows **8:48**
